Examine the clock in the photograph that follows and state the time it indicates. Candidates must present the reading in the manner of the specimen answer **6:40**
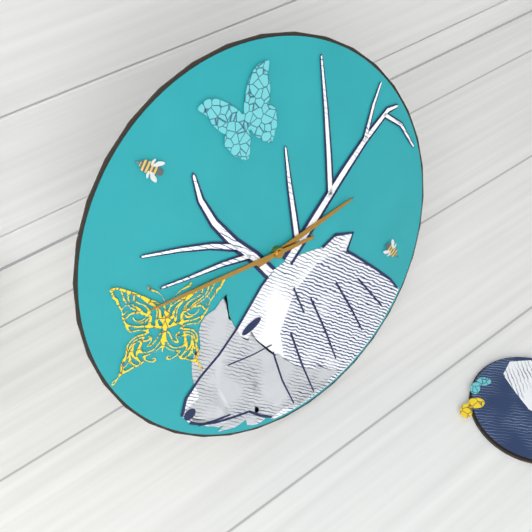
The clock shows **2:46**
